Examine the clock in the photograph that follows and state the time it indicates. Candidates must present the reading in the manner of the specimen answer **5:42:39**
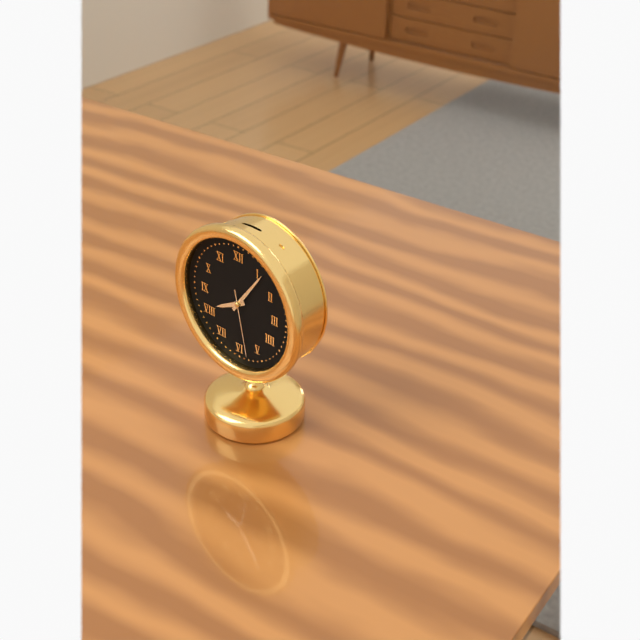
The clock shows **8:06:28**
